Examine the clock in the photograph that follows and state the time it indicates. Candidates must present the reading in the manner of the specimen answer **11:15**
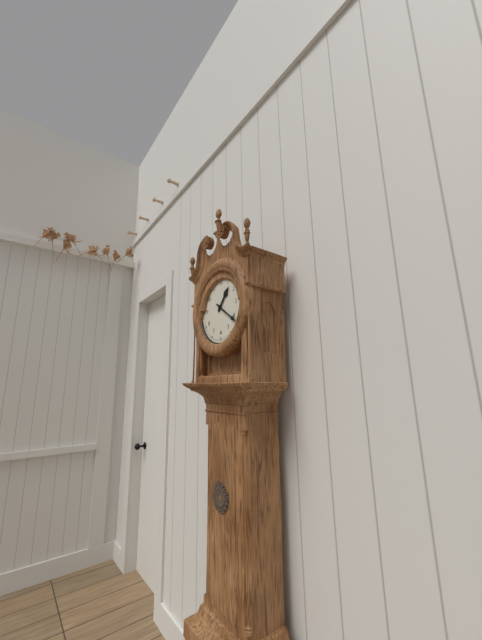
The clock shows **1:21**
